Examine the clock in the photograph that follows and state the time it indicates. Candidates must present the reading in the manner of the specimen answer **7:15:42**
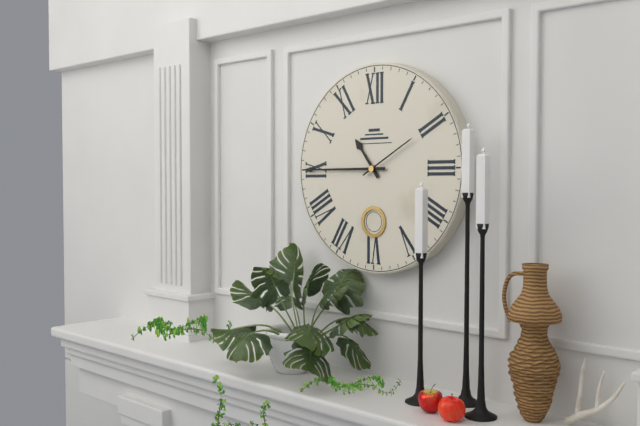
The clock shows **10:45:10**
